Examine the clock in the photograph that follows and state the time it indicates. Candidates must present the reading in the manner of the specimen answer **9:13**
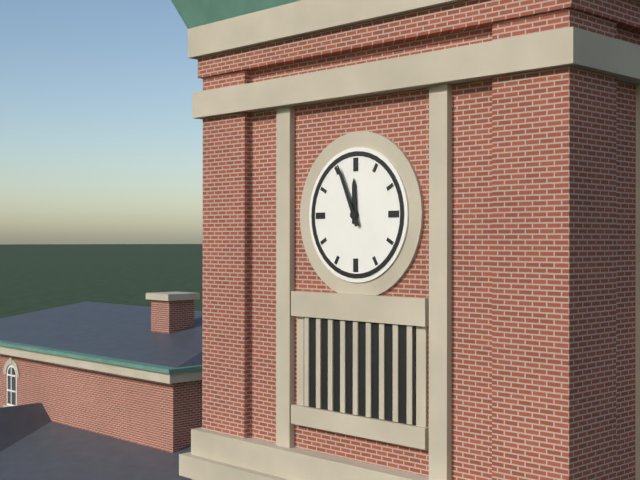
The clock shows **11:56**
